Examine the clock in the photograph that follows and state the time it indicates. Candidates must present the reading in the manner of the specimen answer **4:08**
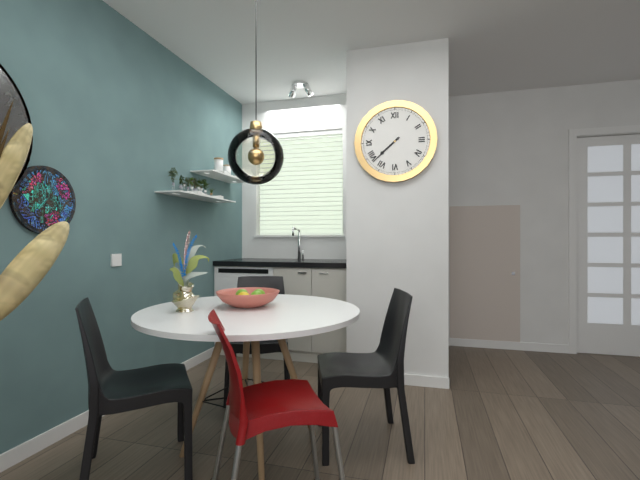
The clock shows **7:38**
